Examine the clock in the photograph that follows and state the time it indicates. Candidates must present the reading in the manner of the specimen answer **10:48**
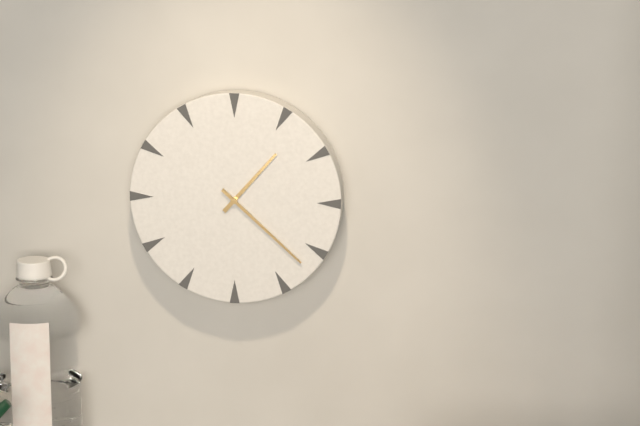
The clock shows **1:22**
